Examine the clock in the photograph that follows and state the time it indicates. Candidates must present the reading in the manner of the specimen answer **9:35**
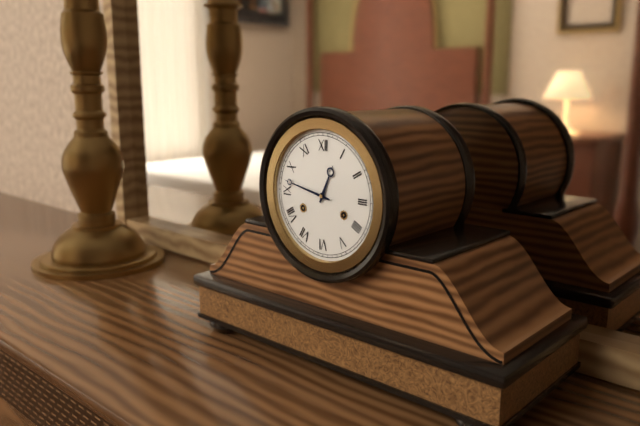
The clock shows **12:47**
